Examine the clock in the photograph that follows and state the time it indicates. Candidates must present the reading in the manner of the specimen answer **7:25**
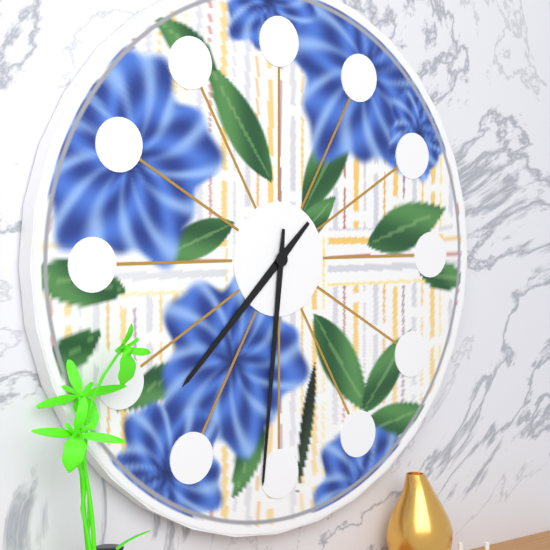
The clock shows **7:31**
